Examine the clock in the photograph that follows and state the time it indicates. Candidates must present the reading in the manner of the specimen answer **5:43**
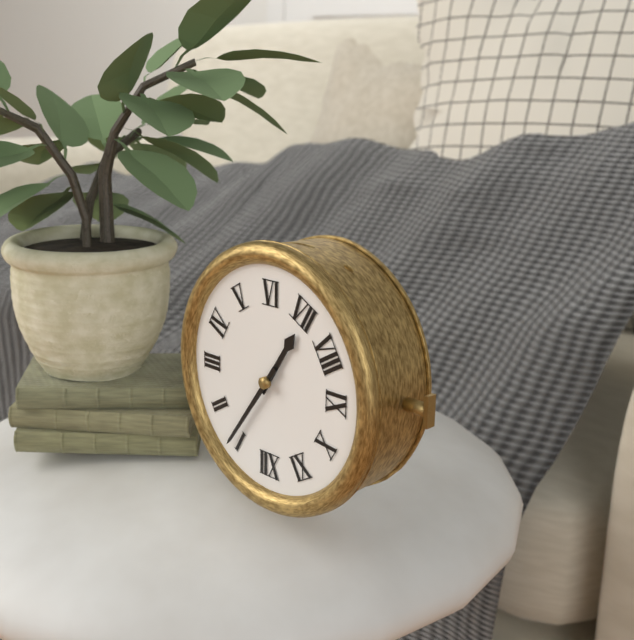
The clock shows **7:06**
